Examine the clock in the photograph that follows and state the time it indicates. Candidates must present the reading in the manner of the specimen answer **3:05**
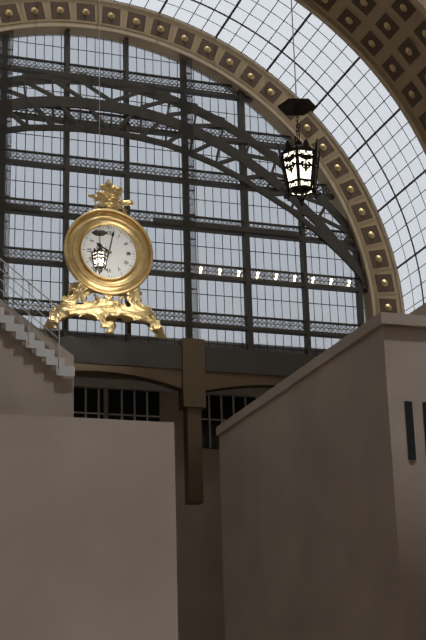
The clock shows **10:02**
